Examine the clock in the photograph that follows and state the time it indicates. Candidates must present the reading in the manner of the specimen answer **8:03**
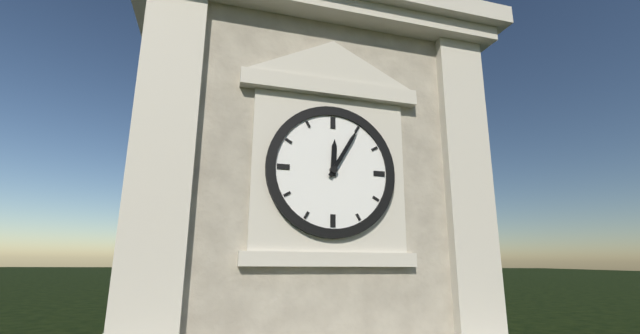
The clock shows **12:05**
